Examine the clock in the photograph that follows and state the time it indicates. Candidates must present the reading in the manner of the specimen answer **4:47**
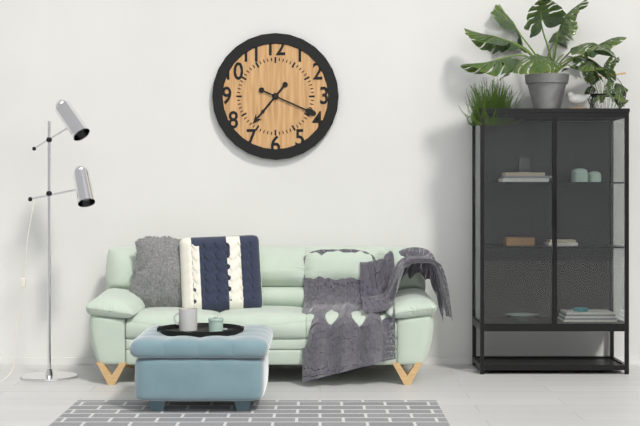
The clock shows **7:19**
